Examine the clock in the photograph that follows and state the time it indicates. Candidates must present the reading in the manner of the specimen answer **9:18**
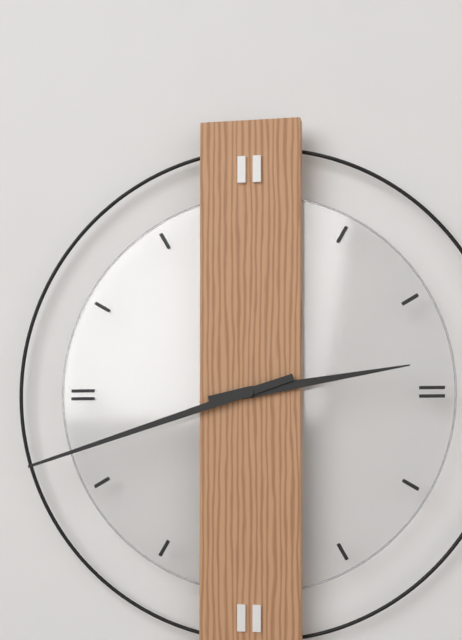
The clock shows **2:42**
